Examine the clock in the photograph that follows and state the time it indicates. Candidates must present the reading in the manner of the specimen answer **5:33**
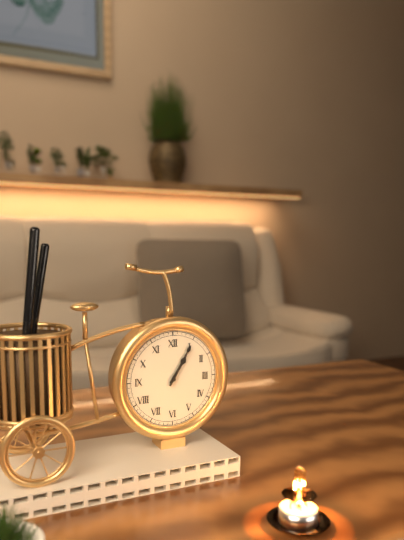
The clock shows **1:05**
